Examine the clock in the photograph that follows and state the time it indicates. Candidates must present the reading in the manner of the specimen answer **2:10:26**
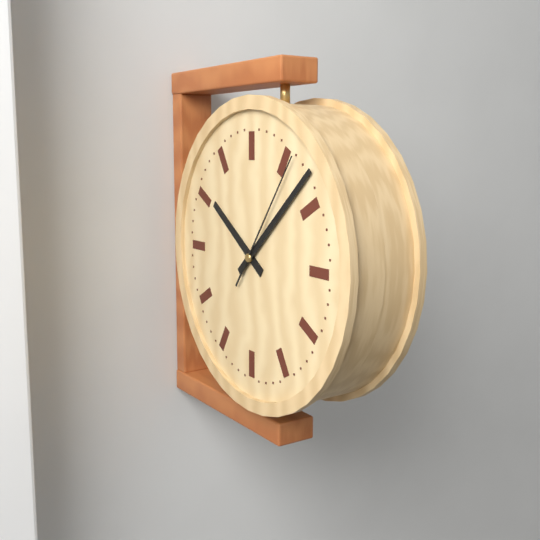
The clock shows **10:08:06**
